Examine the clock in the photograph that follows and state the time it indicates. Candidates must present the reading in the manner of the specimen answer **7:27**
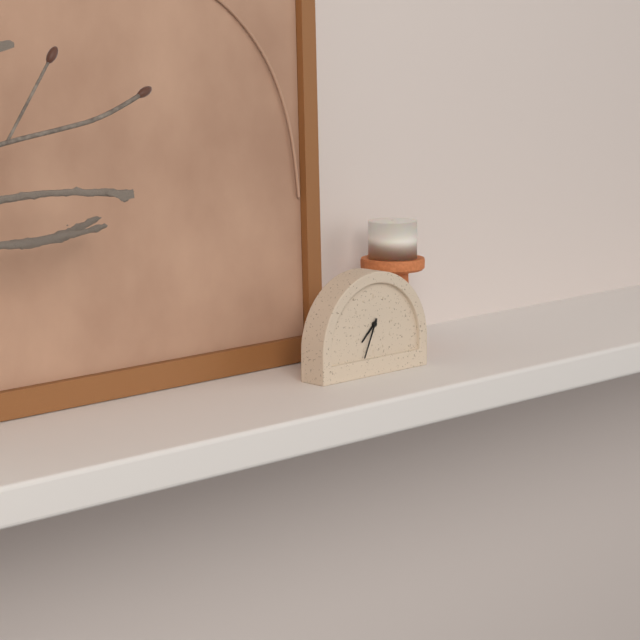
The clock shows **7:34**
